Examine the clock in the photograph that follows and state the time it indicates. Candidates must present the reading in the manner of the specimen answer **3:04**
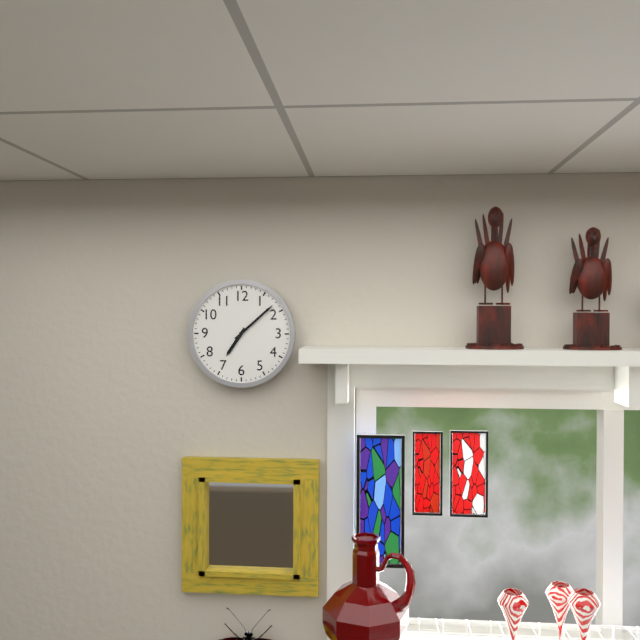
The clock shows **7:08**
